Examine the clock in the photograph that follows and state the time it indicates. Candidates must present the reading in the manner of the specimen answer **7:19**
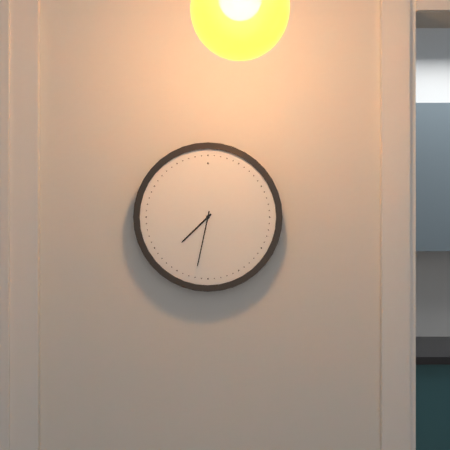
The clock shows **7:32**
